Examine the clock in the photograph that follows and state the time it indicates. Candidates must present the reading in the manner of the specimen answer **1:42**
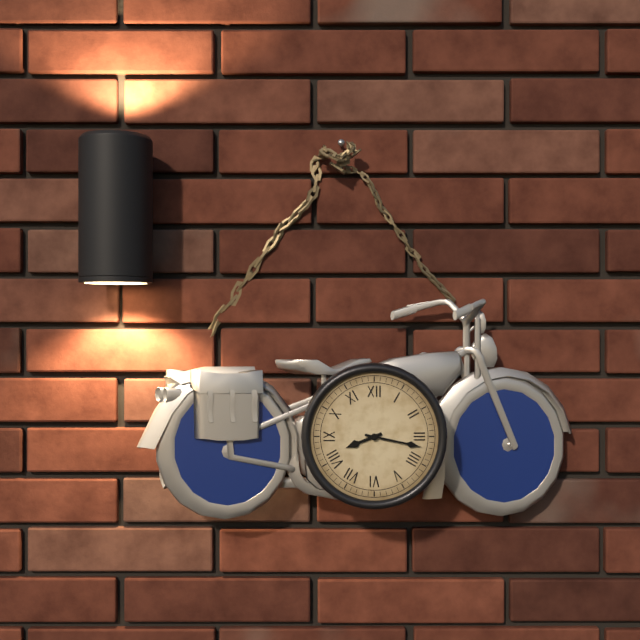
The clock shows **8:17**
